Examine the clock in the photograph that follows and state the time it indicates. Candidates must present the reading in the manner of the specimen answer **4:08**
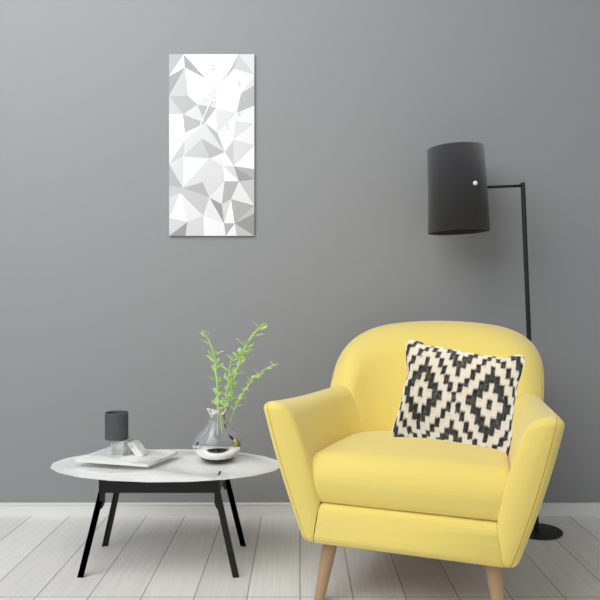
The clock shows **9:34**
